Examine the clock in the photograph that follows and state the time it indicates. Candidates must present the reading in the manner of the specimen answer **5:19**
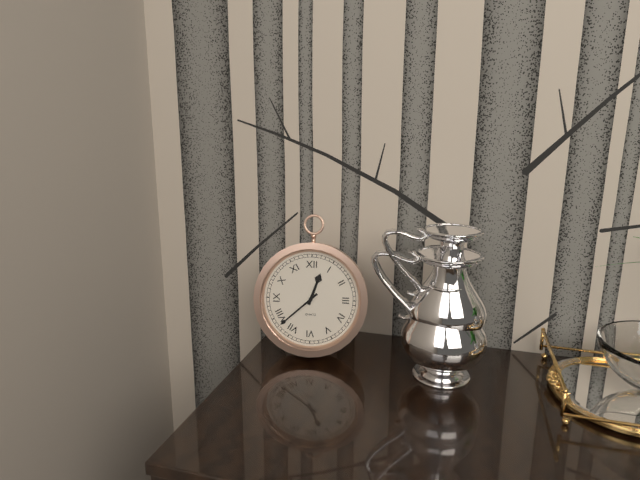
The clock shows **12:38**
